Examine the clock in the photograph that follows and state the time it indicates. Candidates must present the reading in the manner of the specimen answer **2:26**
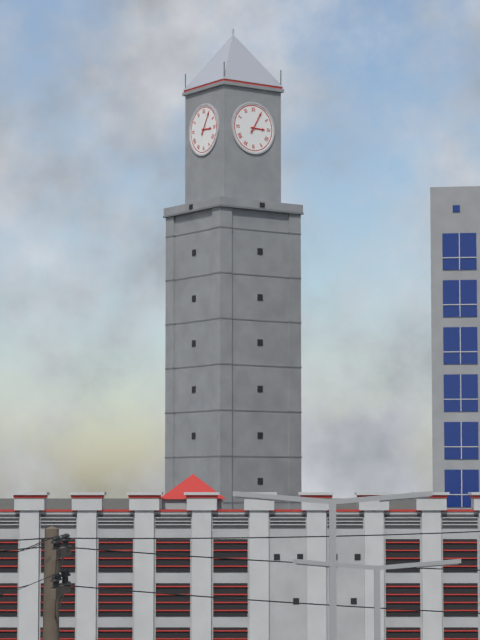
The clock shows **3:05**
